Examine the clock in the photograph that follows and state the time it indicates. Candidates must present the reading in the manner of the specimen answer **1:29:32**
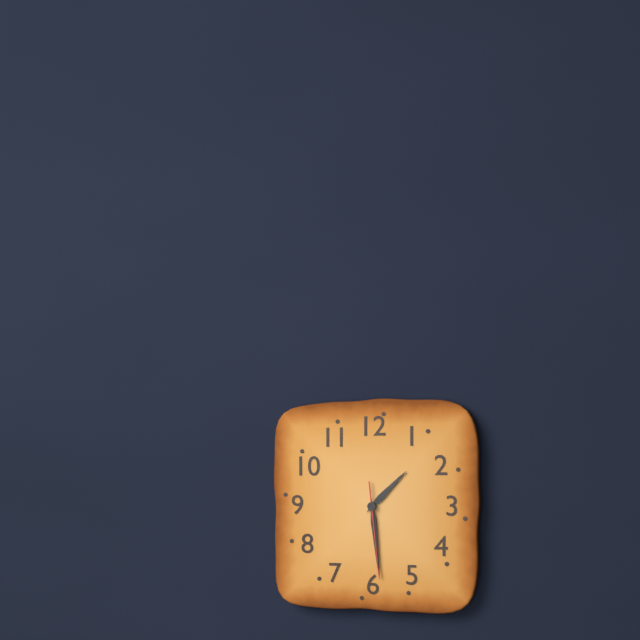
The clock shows **1:29:29**
